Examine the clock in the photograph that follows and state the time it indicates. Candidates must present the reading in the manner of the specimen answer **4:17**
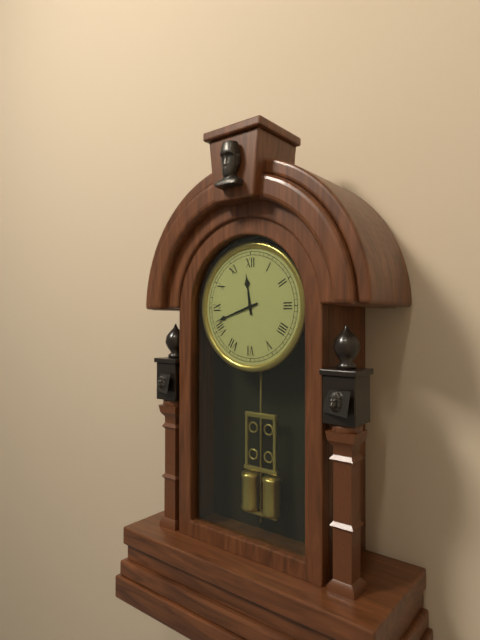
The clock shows **11:42**
